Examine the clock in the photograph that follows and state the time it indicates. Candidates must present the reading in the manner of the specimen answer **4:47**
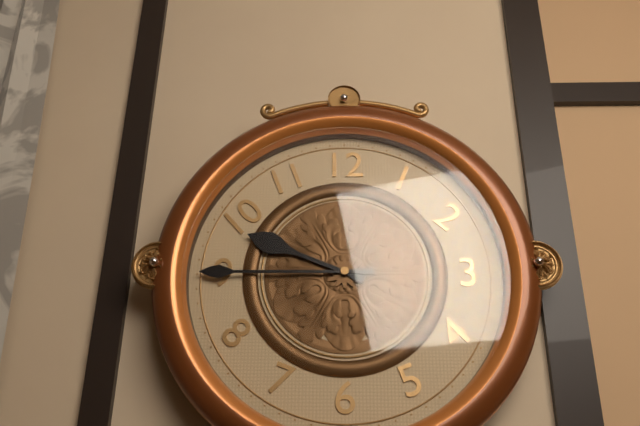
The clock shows **9:45**
